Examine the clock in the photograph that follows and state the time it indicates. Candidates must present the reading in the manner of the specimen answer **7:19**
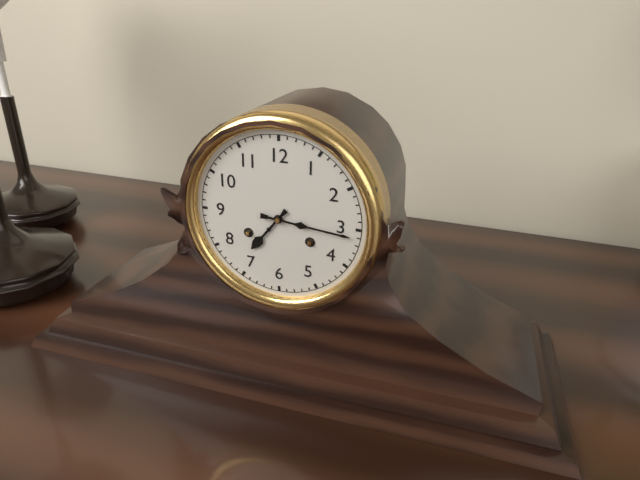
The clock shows **7:16**
